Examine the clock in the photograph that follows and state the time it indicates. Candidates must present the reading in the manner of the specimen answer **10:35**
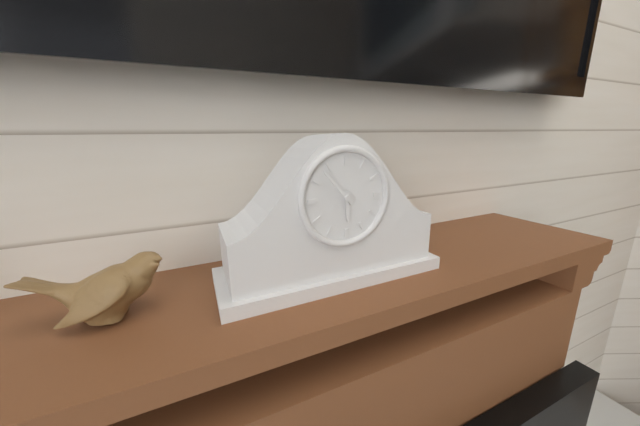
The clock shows **5:53**
